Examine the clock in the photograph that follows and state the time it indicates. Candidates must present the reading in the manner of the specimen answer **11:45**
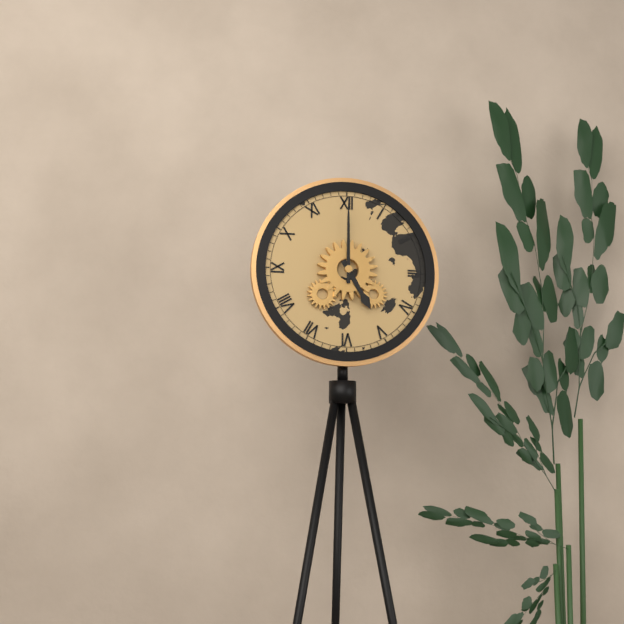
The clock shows **5:00**
